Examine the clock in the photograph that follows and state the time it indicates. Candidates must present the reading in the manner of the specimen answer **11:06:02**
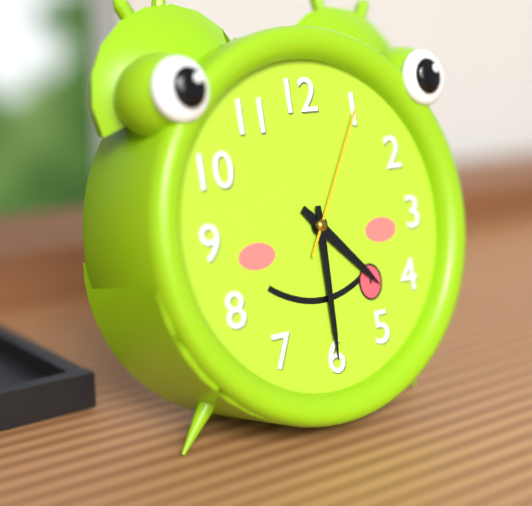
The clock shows **4:30:05**
